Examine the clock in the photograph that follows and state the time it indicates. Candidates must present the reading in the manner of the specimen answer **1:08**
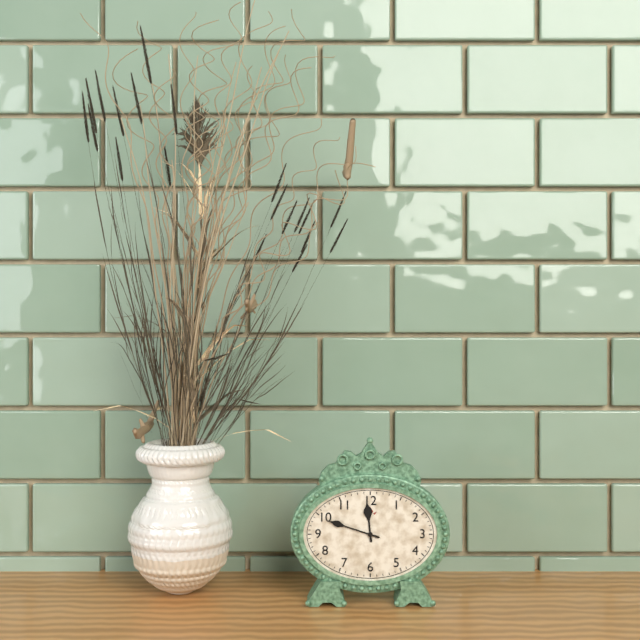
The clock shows **11:48**
